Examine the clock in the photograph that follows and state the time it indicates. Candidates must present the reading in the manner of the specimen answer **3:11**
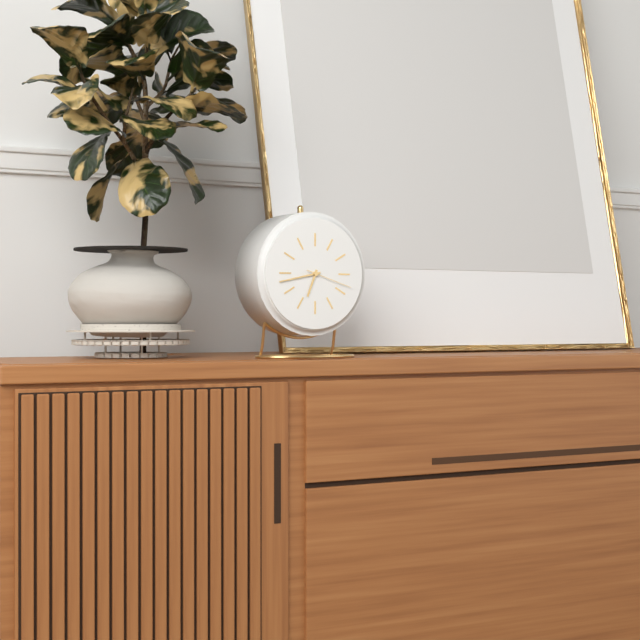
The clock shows **6:43**
